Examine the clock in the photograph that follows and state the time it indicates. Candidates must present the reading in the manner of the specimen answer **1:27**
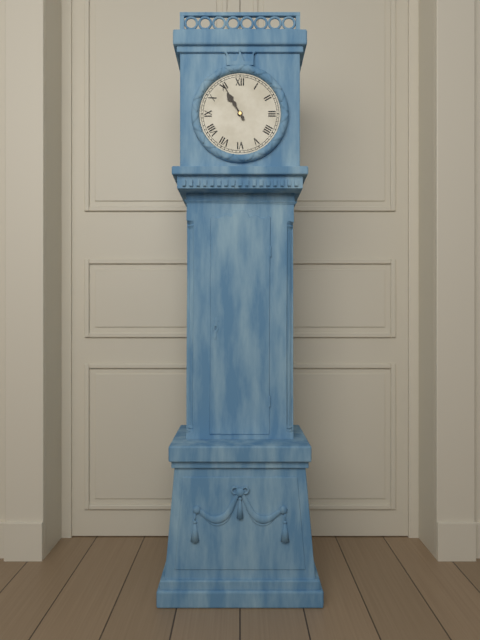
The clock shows **10:55**
